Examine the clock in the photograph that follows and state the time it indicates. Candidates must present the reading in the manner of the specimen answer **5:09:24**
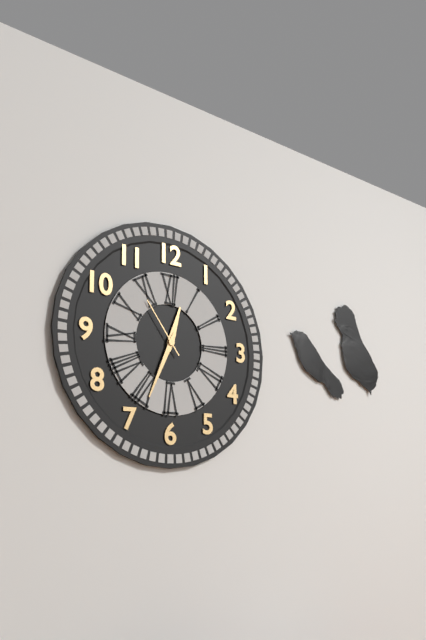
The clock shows **12:34:54**
